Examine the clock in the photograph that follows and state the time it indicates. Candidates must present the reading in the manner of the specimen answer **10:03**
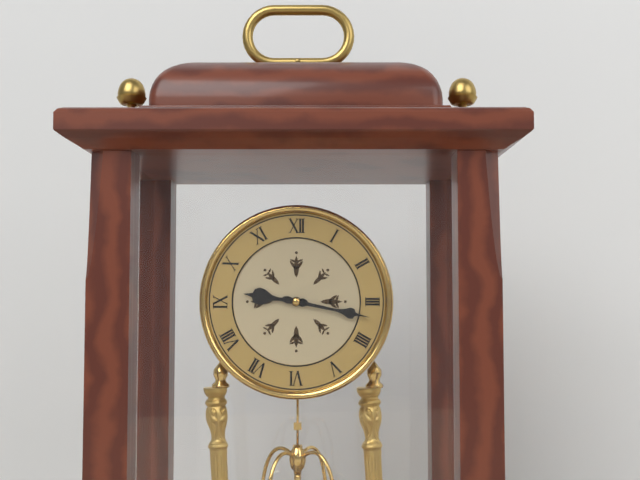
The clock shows **9:17**
